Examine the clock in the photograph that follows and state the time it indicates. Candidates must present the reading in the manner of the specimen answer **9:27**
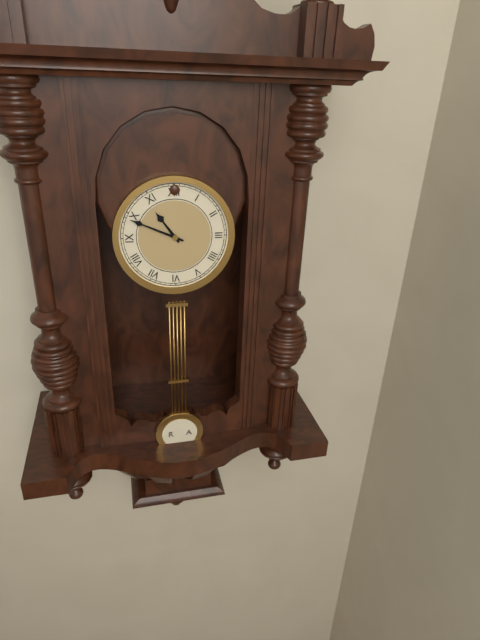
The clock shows **10:49**
